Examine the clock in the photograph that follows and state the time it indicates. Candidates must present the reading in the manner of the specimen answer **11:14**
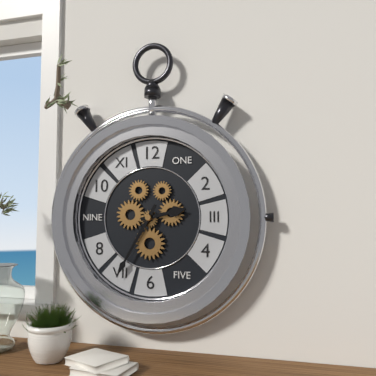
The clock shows **2:35**
